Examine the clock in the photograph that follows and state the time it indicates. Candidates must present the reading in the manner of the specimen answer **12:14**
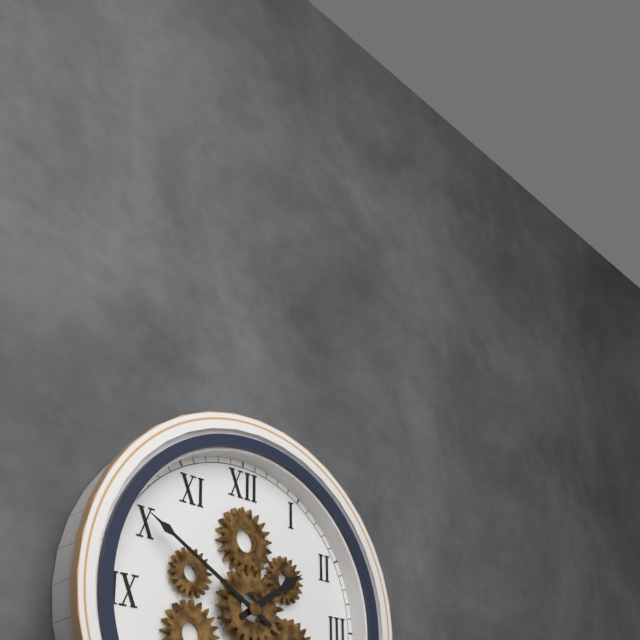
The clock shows **1:50**
